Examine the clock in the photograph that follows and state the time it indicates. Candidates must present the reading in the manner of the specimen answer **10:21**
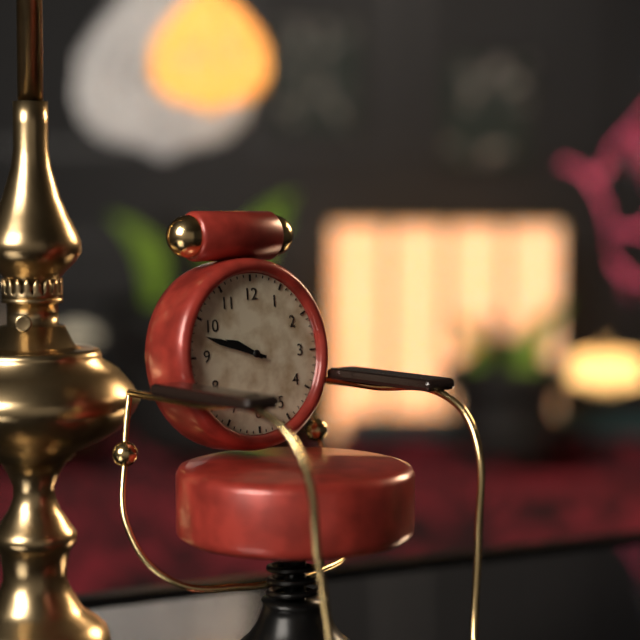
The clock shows **9:48**
